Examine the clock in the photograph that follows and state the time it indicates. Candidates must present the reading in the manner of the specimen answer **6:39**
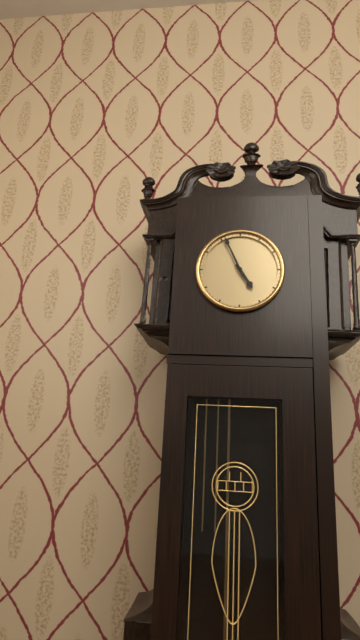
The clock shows **4:56**
